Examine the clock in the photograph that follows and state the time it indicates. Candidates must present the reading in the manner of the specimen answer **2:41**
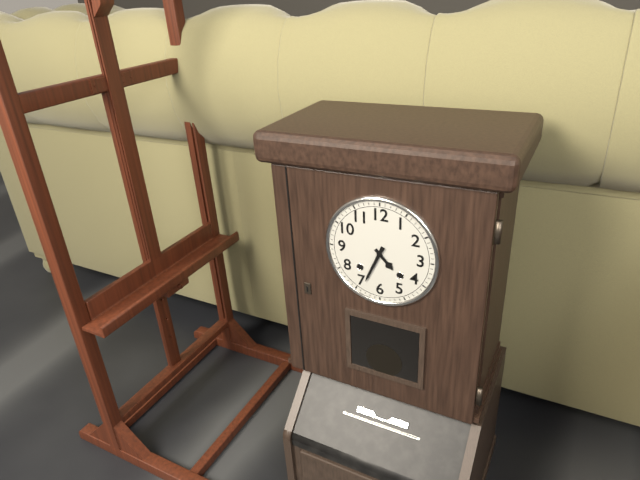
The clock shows **4:34**
